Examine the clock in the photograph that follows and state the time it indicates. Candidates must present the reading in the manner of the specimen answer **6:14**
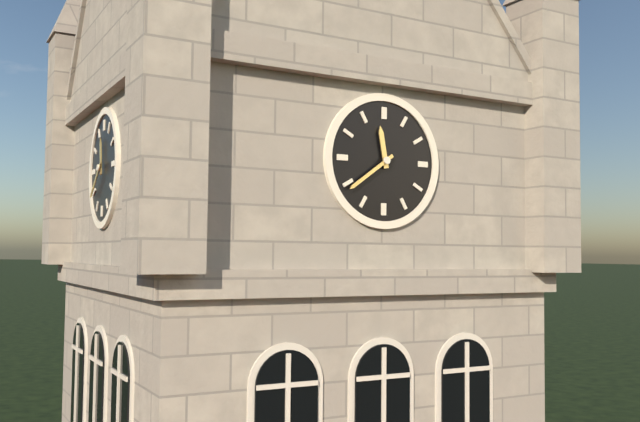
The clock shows **11:39**
